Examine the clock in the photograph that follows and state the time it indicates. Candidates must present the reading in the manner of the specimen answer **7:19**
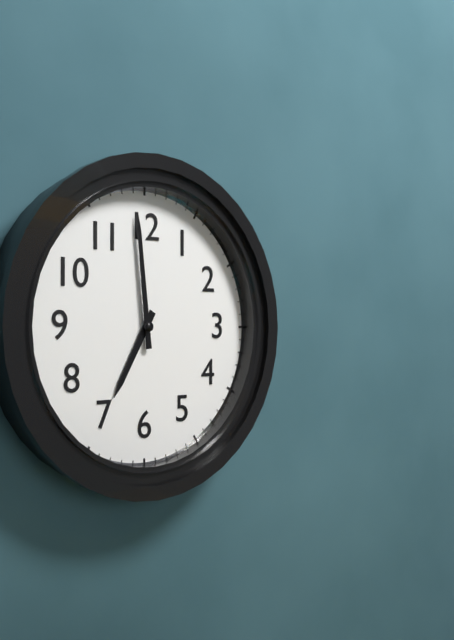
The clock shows **6:59**
